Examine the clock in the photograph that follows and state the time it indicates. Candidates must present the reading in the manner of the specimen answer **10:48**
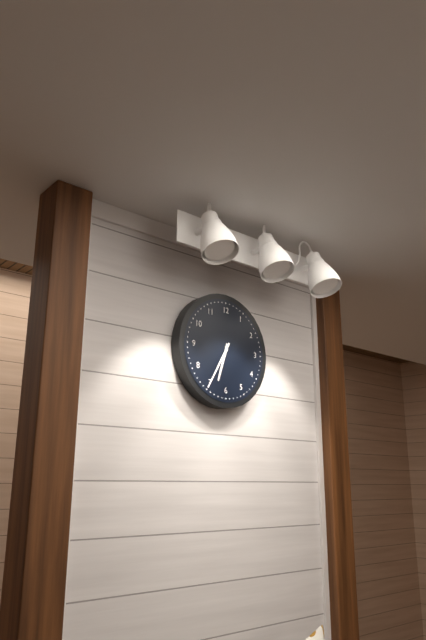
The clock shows **6:35**
